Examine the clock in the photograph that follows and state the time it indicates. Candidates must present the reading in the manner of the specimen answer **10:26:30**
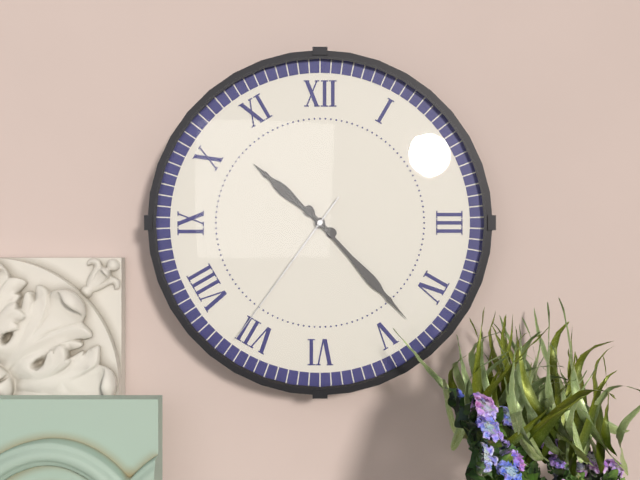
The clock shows **10:23:36**
